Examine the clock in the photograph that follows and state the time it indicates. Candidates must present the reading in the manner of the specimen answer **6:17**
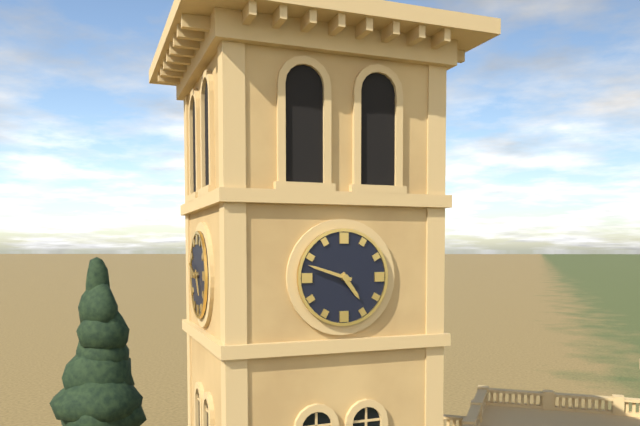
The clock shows **4:48**
